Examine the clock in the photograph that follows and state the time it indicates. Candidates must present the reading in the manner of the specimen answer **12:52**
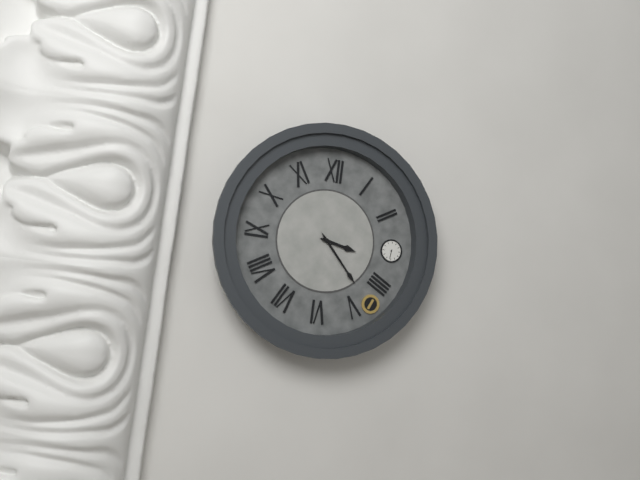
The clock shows **3:23**
